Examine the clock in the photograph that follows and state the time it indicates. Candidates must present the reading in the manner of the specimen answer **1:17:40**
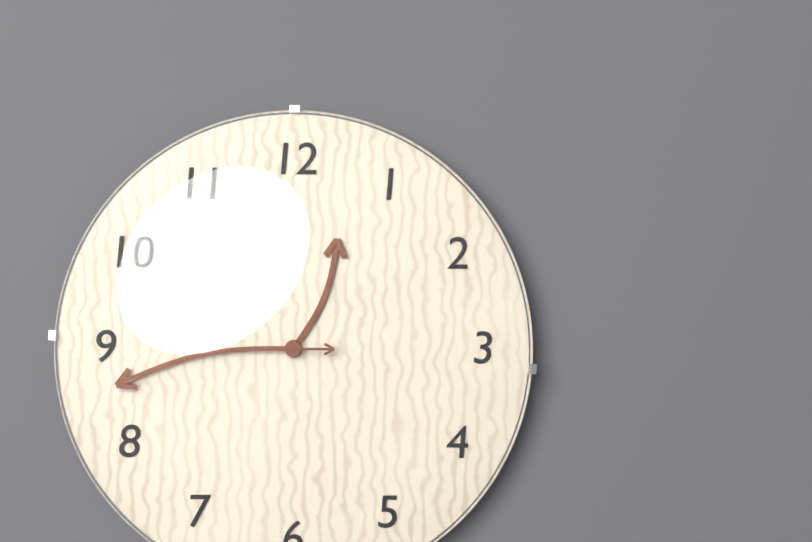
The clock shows **12:43:15**
